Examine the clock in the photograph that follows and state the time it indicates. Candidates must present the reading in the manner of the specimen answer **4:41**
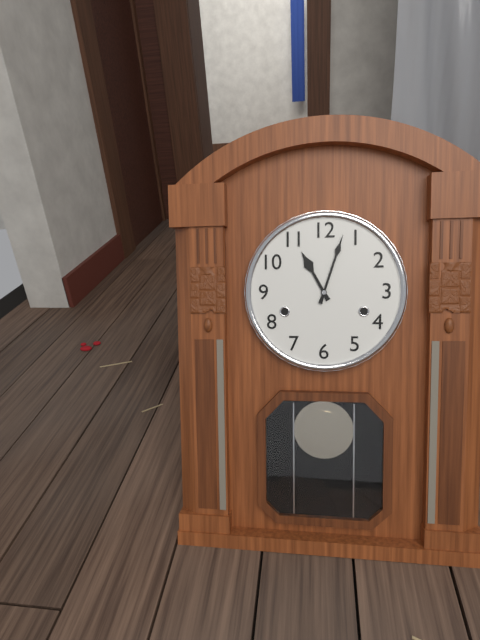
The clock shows **11:03**
